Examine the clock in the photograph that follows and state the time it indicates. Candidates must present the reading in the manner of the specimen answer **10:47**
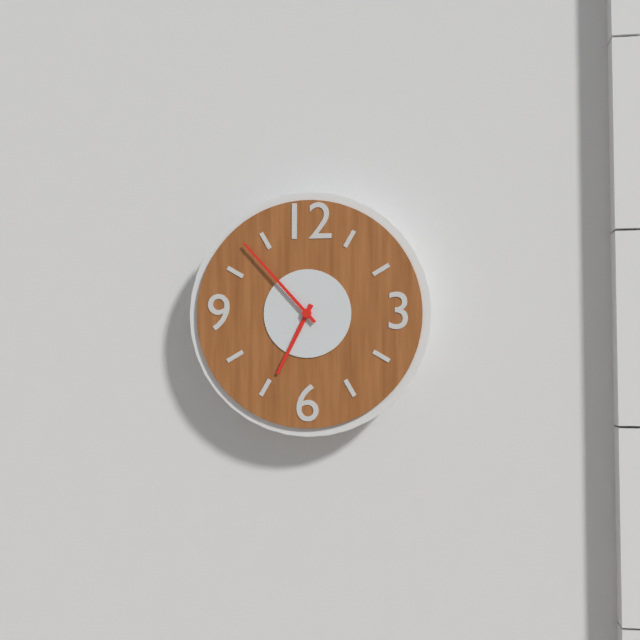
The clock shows **6:53**
